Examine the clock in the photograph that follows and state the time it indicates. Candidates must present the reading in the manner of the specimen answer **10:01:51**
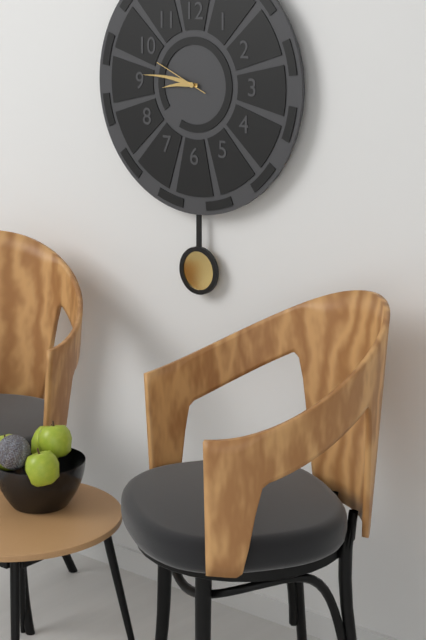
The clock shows **8:46:49**
